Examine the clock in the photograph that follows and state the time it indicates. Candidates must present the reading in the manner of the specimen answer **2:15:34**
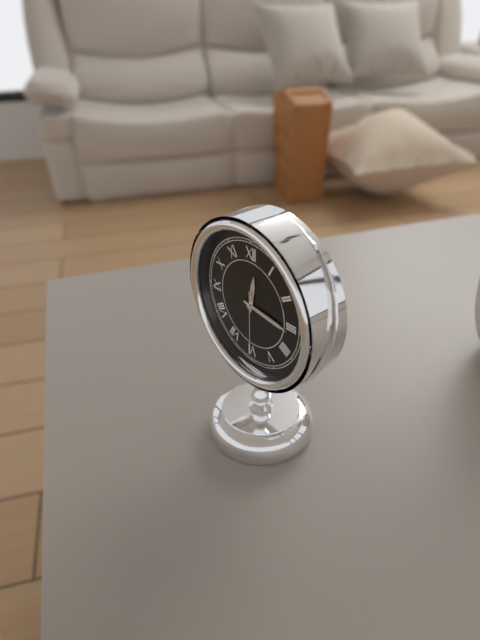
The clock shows **12:16:30**
